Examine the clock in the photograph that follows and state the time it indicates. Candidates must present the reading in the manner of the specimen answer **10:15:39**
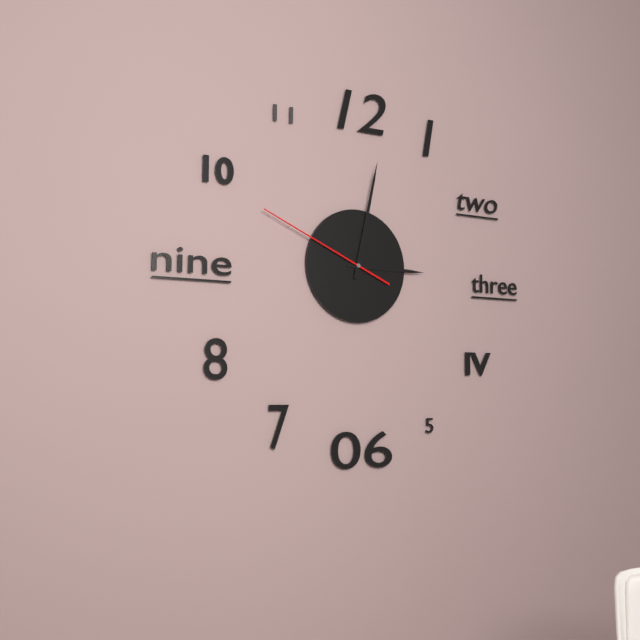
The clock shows **3:02:49**
